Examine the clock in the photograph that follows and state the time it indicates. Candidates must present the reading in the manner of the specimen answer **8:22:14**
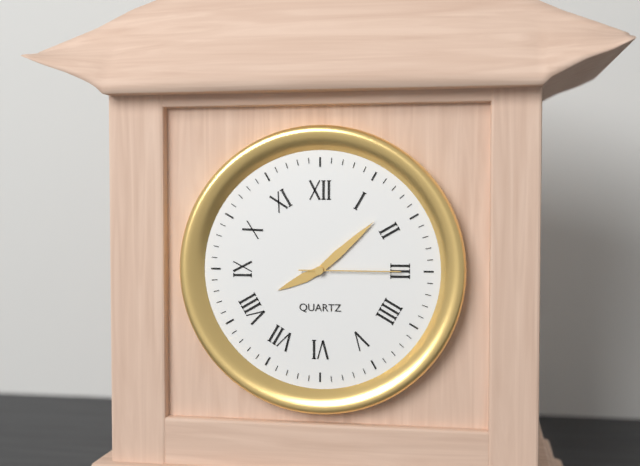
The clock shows **8:08:15**
